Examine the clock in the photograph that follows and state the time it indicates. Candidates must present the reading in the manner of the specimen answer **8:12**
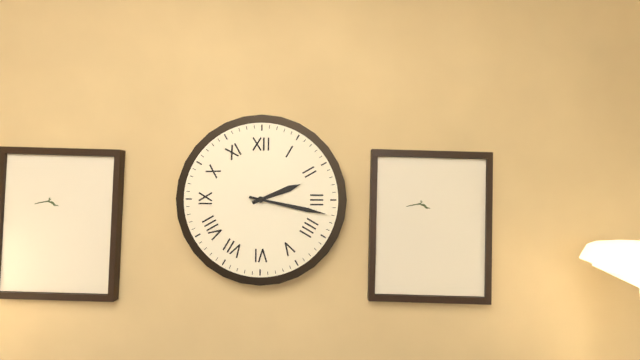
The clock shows **2:17**
